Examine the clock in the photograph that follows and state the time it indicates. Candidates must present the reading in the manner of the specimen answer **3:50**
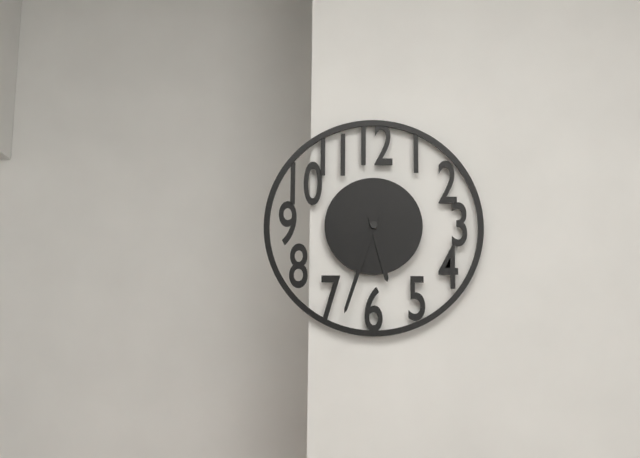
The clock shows **5:33**
